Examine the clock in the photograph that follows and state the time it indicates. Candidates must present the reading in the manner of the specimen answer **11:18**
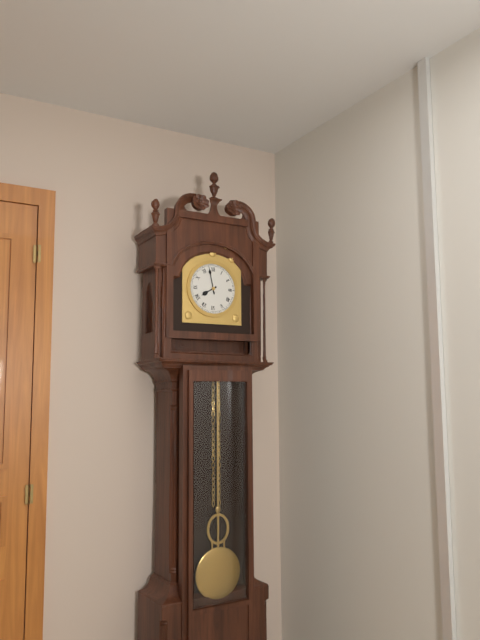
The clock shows **7:58**
